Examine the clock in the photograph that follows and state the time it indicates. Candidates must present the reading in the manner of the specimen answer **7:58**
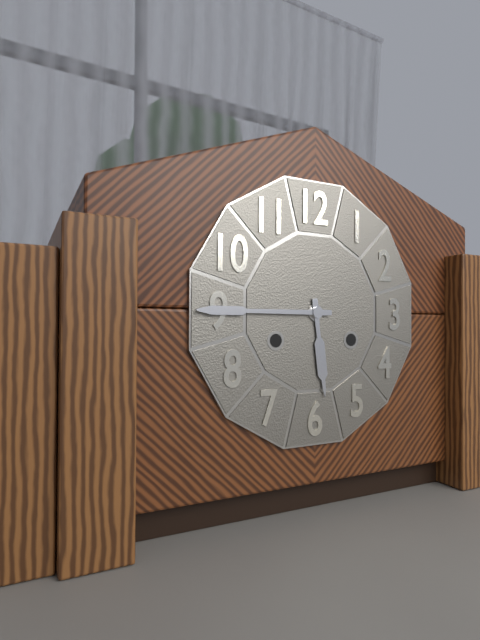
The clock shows **5:45**
